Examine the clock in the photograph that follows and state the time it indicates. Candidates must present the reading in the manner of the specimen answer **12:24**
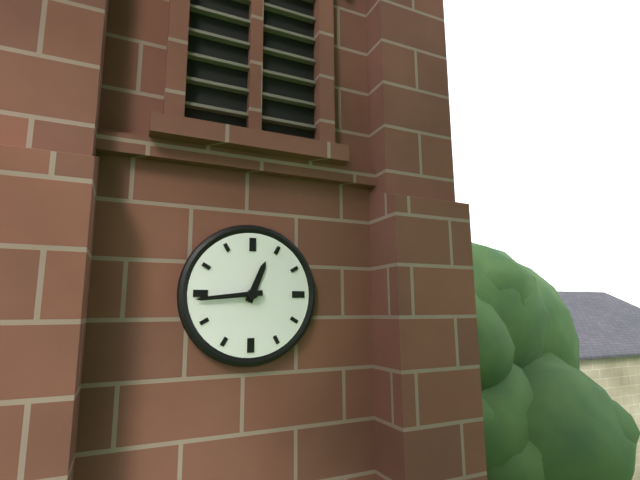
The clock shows **12:44**
